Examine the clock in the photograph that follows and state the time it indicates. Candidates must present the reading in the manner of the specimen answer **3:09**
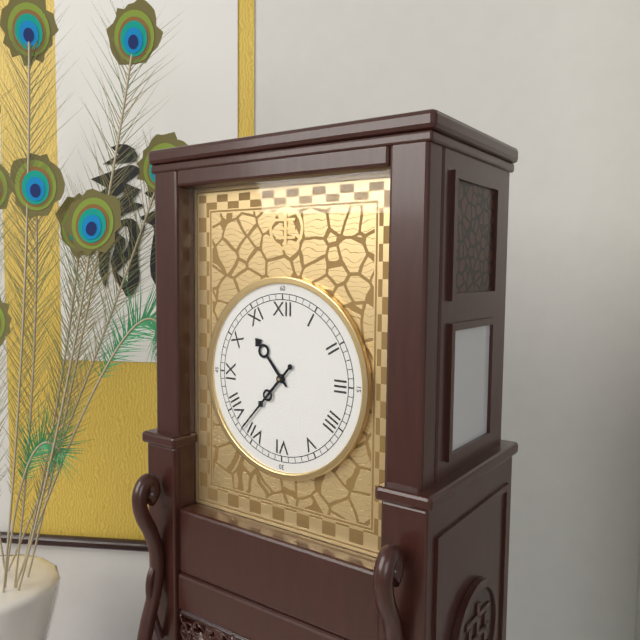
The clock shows **10:37**
